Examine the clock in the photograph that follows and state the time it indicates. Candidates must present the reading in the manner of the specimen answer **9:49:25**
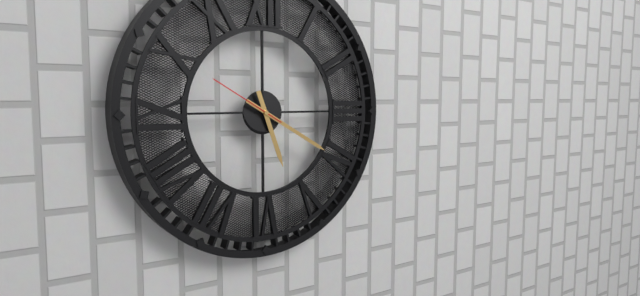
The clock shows **5:20:50**
